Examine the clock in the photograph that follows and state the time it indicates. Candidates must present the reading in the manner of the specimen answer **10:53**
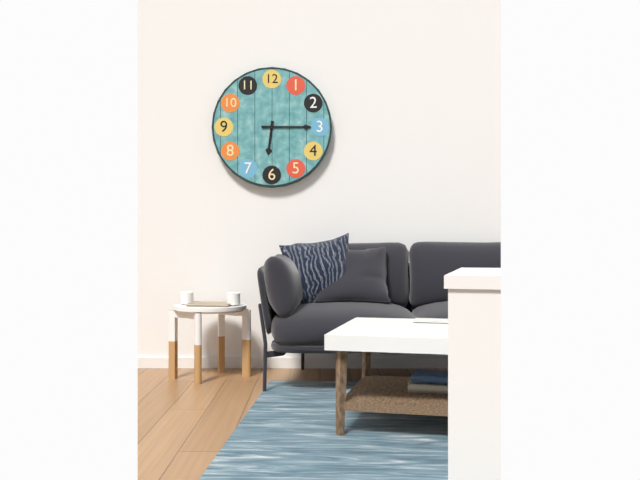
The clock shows **6:15**
